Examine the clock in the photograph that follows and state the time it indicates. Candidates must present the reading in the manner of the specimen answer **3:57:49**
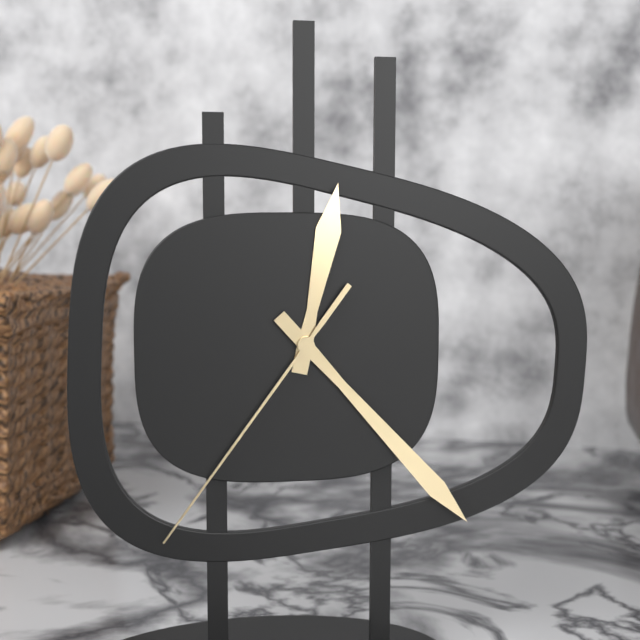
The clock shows **12:23:36**
